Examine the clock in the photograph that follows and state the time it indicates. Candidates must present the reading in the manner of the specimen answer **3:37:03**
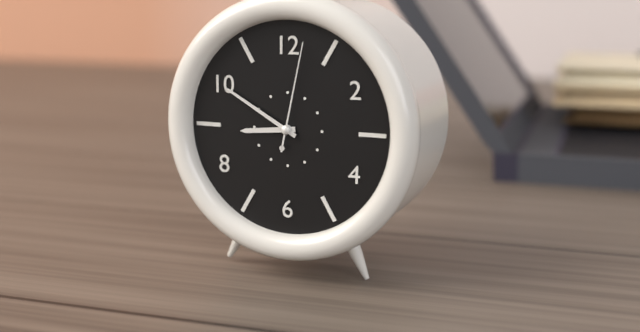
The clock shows **8:50:02**
